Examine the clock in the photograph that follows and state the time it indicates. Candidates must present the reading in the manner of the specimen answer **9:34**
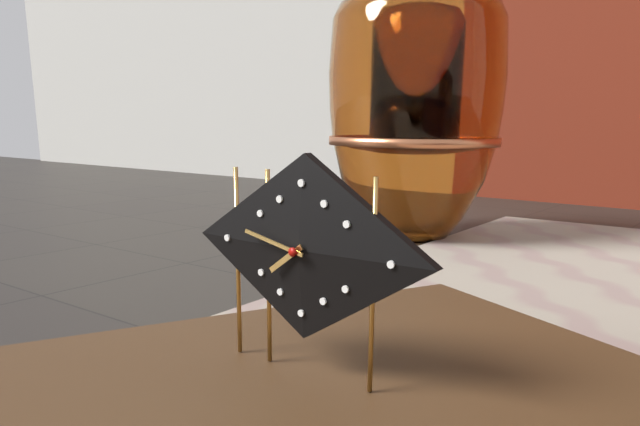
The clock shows **7:47**
